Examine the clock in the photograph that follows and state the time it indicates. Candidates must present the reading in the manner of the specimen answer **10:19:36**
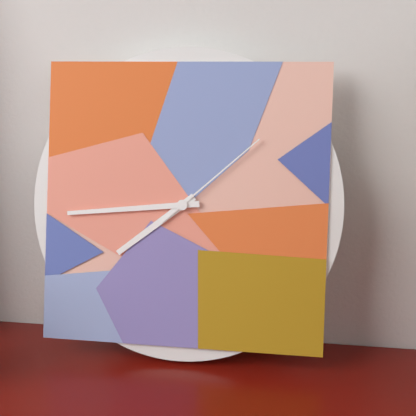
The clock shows **7:44:08**
